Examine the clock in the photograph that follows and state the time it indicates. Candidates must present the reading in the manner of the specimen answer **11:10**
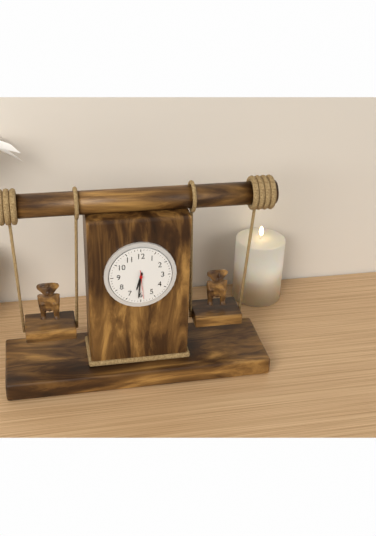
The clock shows **6:31**
